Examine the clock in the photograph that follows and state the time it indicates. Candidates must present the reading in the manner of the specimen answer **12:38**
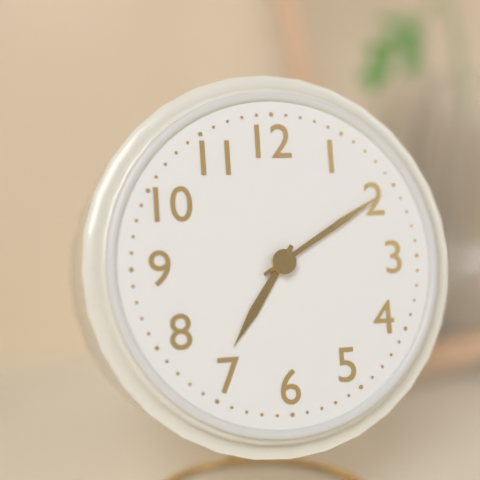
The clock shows **7:10**
